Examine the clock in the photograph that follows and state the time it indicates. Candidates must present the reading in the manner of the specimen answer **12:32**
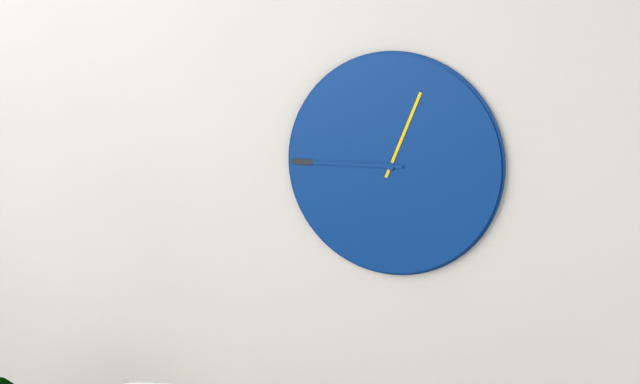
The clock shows **12:45**
